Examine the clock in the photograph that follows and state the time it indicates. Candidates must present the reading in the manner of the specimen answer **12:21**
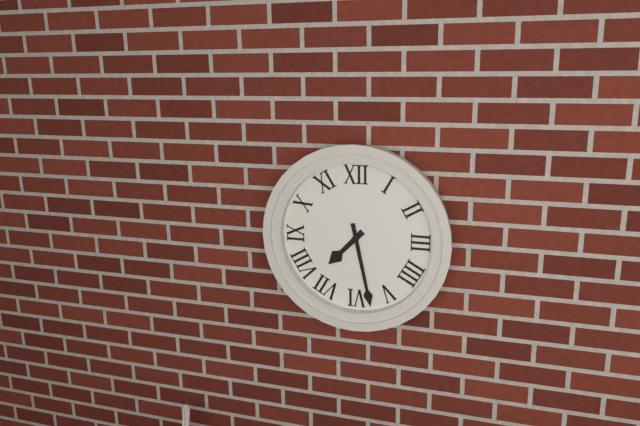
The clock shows **7:28**
